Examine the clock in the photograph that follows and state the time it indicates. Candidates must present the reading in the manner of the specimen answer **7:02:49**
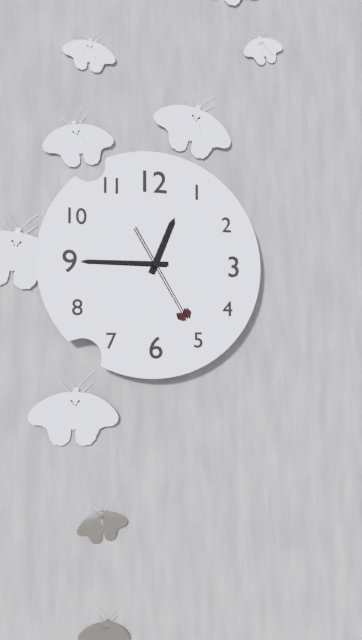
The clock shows **12:45:25**
